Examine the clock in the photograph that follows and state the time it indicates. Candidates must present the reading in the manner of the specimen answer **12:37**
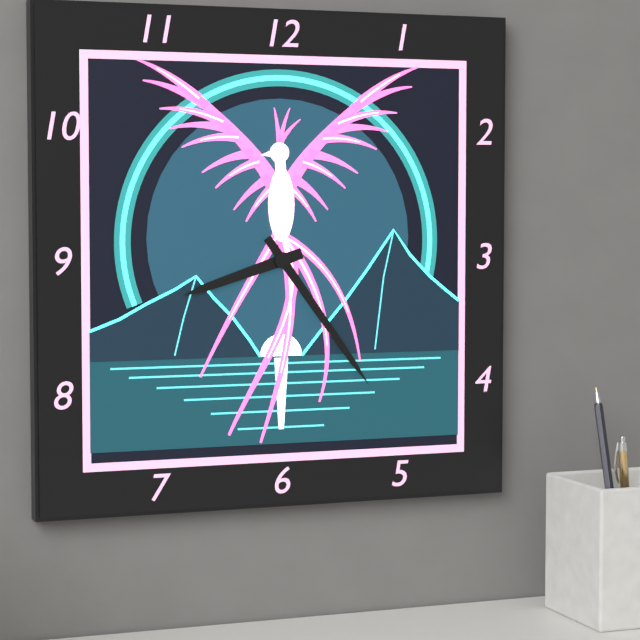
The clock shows **8:24**
